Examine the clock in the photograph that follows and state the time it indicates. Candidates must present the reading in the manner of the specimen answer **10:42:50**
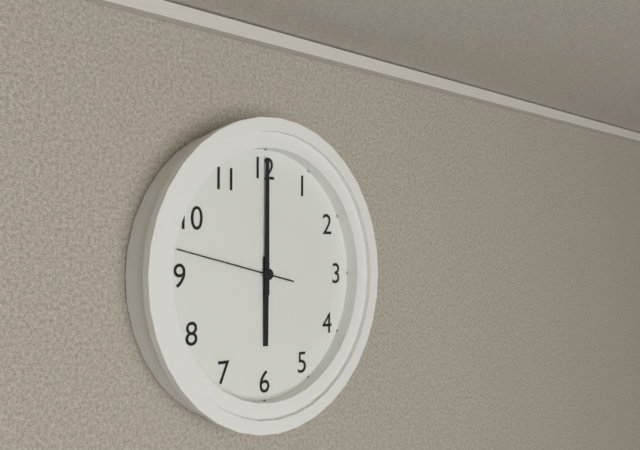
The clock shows **6:00:47**
